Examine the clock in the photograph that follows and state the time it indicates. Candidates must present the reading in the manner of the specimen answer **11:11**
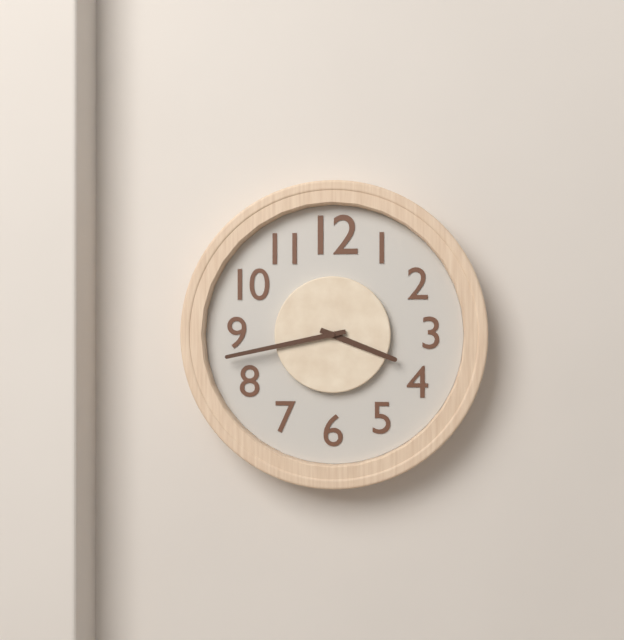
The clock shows **3:43**
